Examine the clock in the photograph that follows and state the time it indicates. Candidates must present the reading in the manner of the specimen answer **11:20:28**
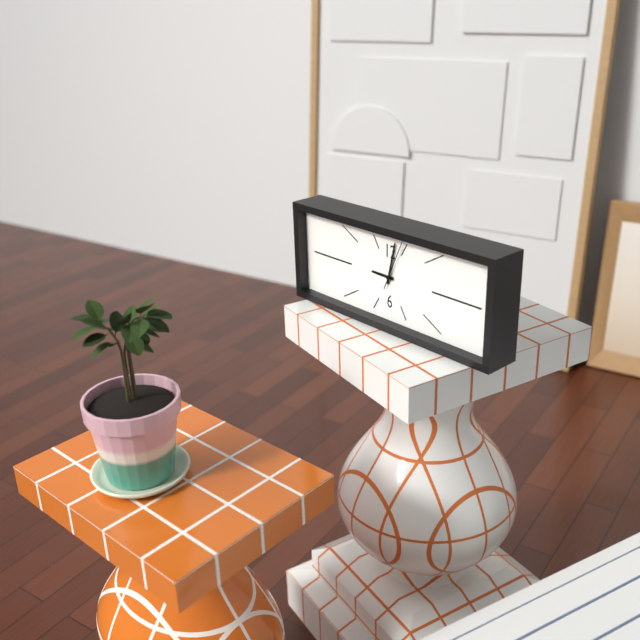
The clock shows **9:02:04**
